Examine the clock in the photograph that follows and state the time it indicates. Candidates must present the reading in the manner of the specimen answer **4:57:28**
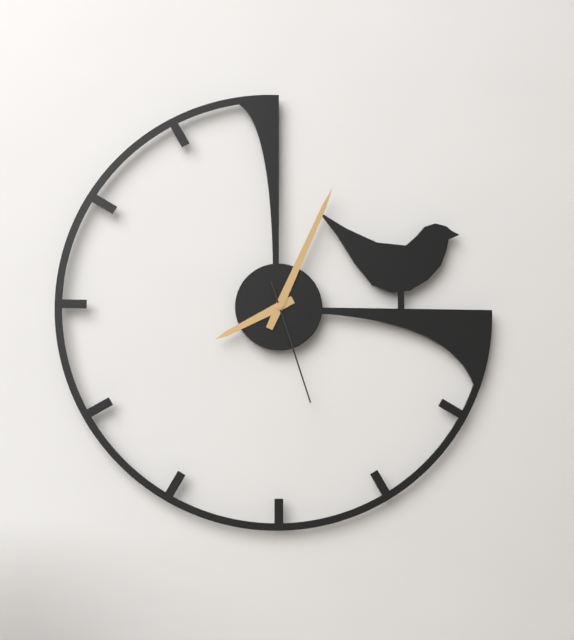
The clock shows **8:04:27**
